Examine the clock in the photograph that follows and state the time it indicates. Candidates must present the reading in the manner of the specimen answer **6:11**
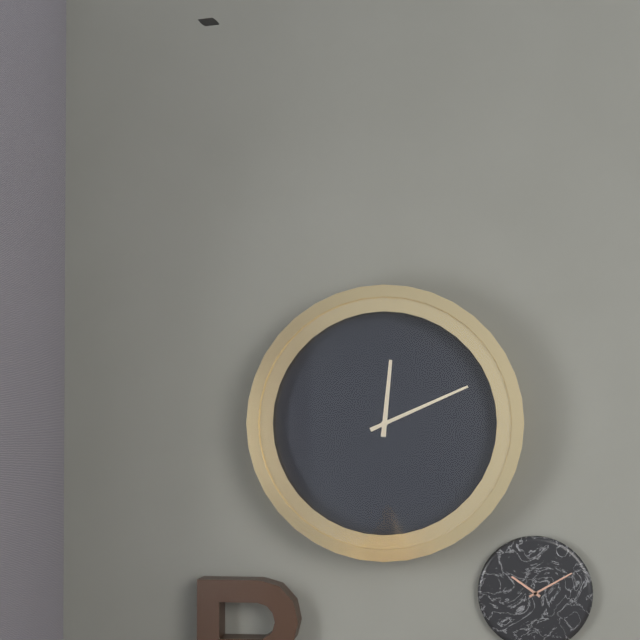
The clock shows **12:11**
